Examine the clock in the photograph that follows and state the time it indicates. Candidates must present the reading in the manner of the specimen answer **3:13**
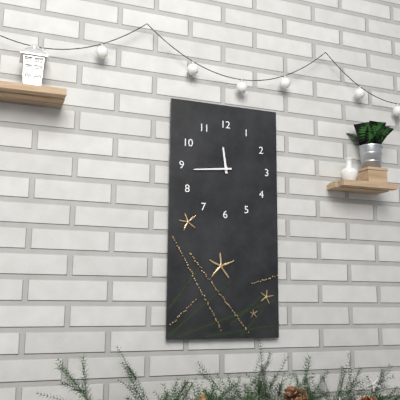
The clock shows **11:44**
